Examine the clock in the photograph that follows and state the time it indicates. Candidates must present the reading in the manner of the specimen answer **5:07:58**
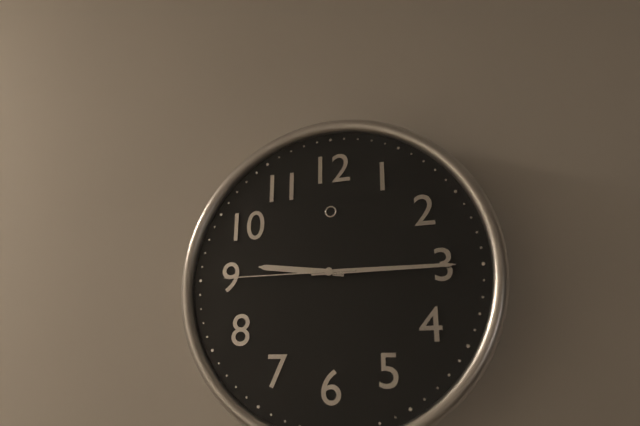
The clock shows **9:15:45**
